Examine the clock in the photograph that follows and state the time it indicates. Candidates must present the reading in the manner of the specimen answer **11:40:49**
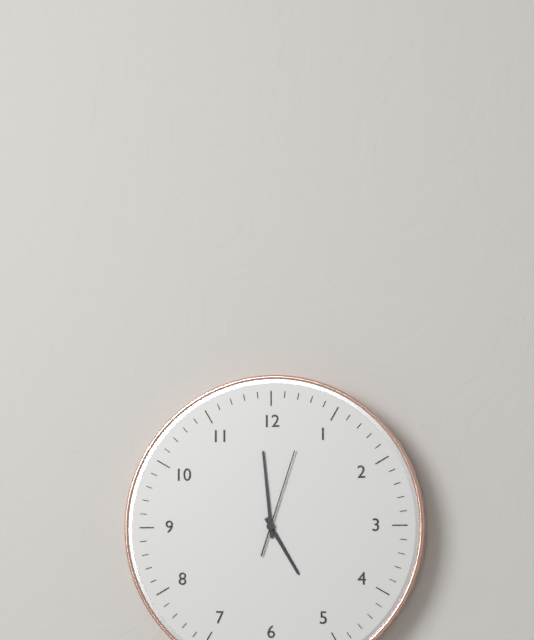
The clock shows **4:59:03**
